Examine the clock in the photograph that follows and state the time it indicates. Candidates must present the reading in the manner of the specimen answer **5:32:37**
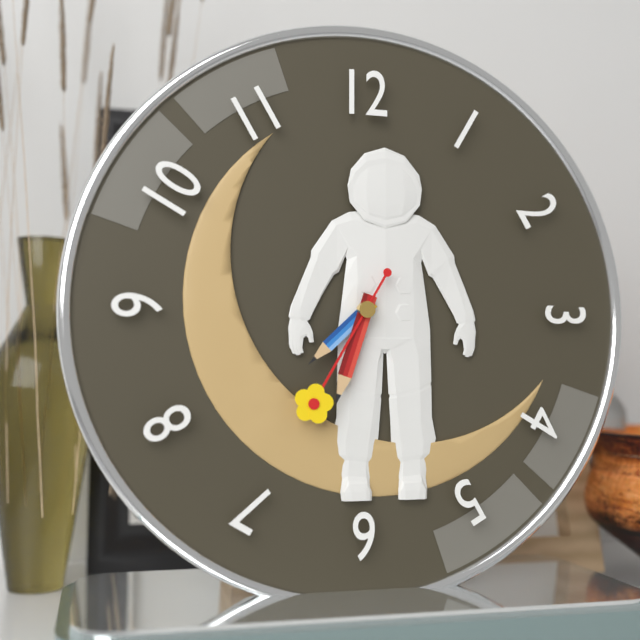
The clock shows **7:33:35**
